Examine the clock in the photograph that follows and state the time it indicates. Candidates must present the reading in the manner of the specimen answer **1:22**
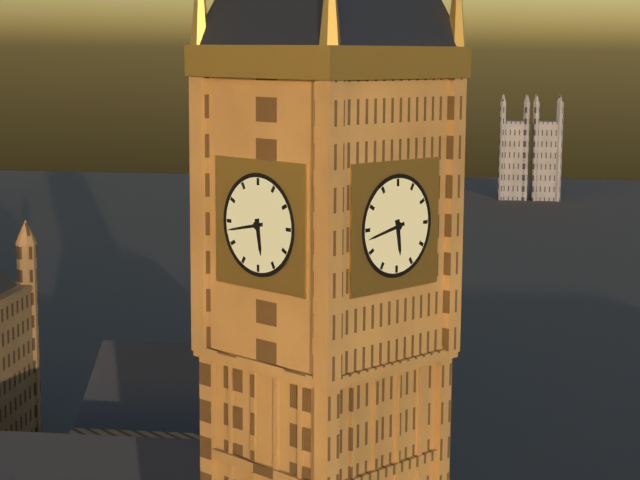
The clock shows **5:43**
